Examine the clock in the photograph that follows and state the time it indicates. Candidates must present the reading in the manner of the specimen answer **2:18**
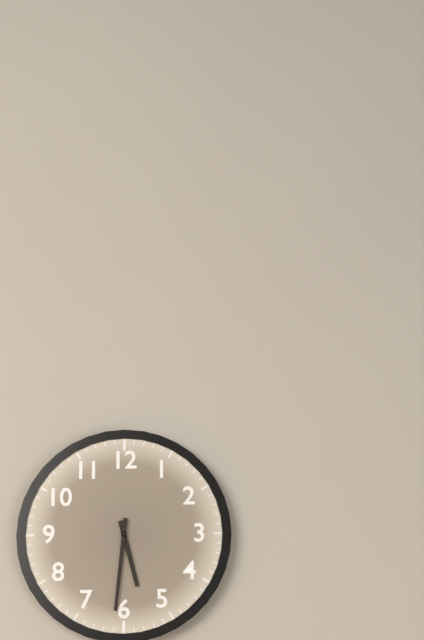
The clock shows **5:31**
